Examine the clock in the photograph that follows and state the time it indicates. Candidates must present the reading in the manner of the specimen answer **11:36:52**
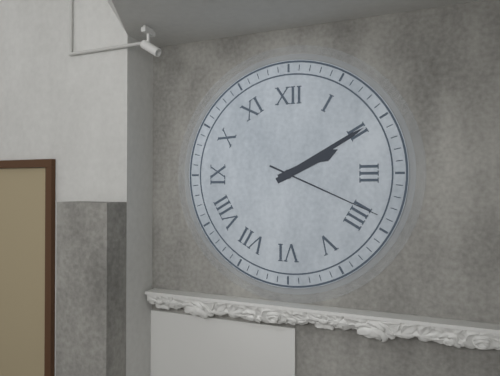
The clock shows **2:10:19**
